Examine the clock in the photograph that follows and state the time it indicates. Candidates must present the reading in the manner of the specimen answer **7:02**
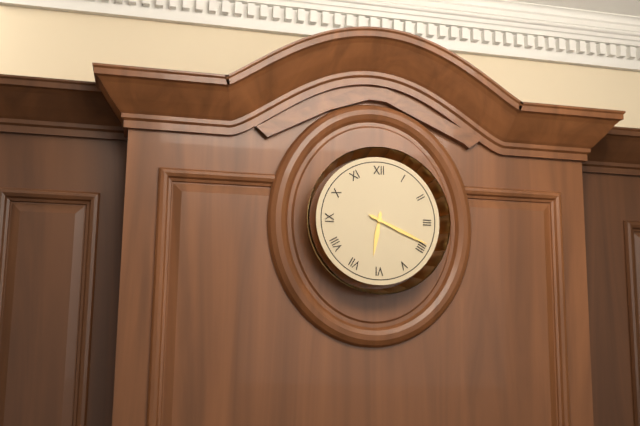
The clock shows **6:19**
